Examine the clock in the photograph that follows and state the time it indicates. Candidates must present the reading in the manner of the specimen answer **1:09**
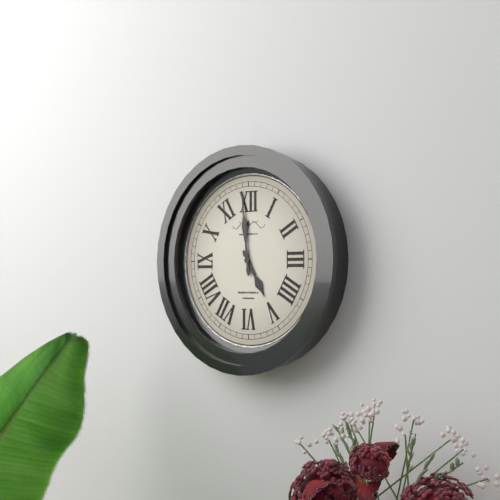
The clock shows **4:59**
